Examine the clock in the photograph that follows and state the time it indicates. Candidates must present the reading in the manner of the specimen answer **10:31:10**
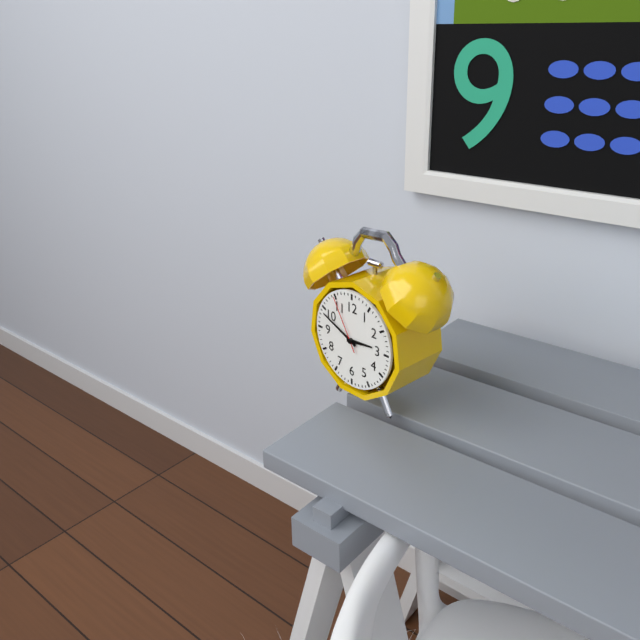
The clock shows **2:49:55**
